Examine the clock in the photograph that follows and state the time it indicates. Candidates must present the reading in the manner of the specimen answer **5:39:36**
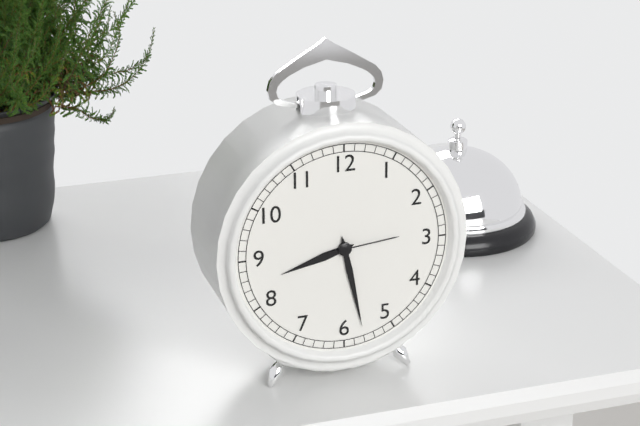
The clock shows **8:28:14**
